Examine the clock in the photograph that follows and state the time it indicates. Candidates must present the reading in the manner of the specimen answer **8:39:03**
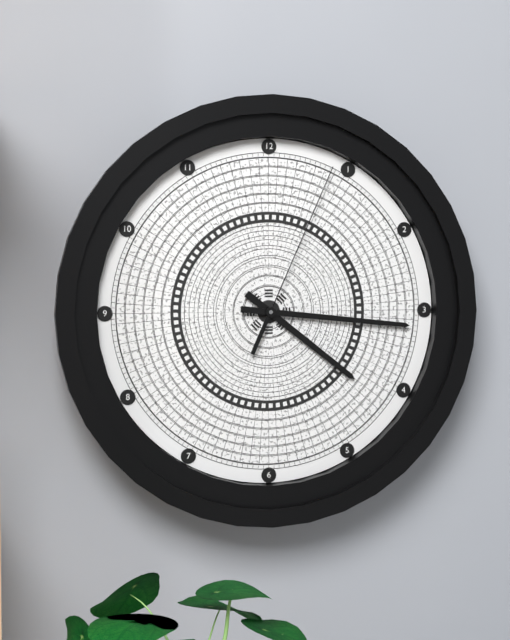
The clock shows **4:16:04**
